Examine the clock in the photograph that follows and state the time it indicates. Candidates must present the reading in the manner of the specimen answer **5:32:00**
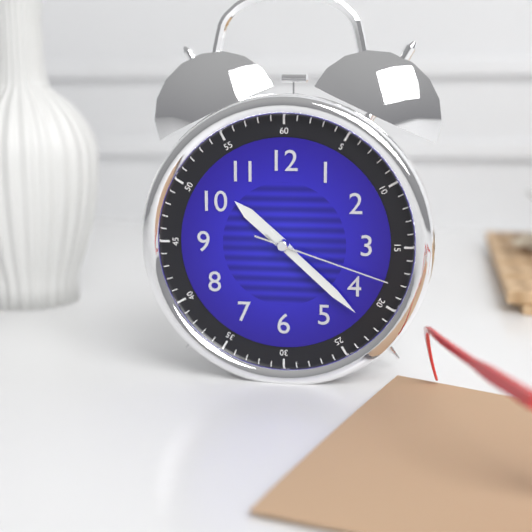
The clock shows **10:22:18**
